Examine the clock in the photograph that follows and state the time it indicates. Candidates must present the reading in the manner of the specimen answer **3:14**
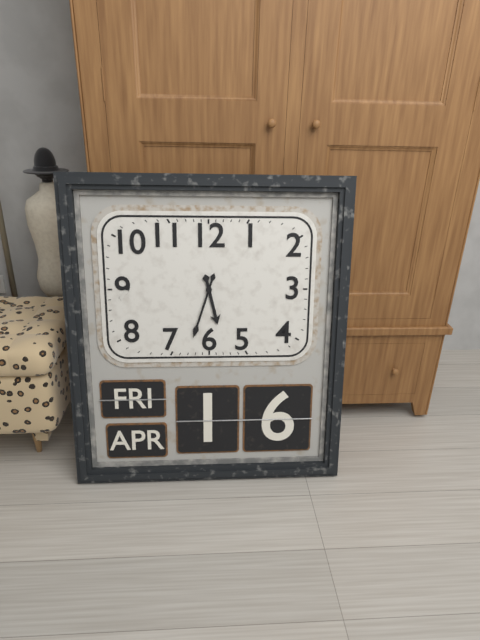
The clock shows **5:33**
